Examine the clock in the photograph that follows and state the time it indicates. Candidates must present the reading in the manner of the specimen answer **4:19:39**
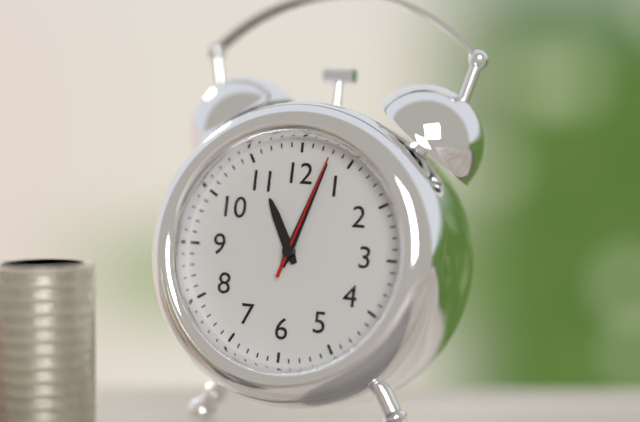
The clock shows **11:03:03**
